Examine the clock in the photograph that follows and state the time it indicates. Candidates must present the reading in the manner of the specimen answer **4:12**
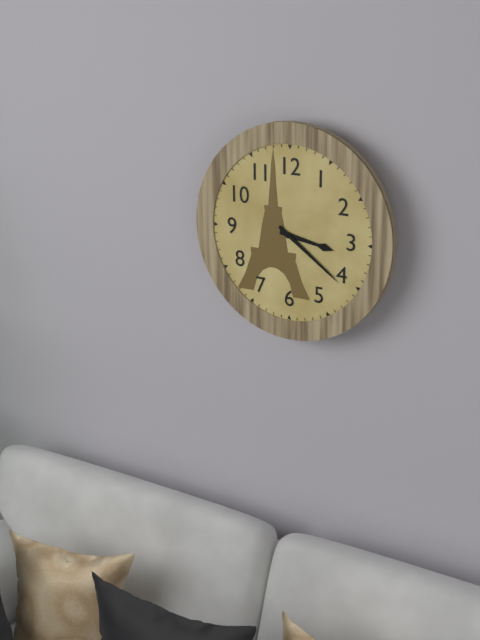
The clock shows **3:21**
